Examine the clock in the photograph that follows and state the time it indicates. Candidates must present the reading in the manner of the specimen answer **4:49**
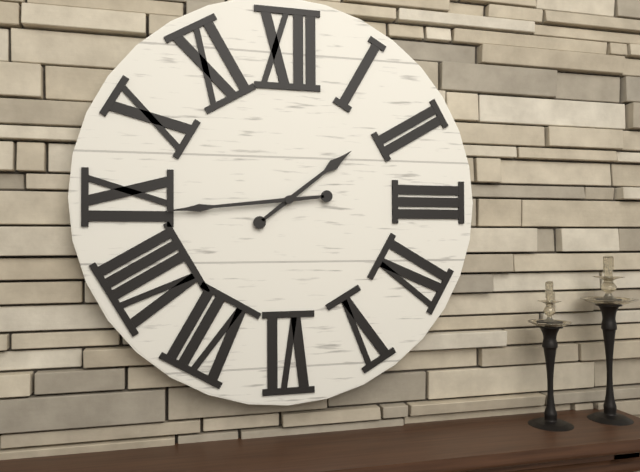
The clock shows **1:44**
